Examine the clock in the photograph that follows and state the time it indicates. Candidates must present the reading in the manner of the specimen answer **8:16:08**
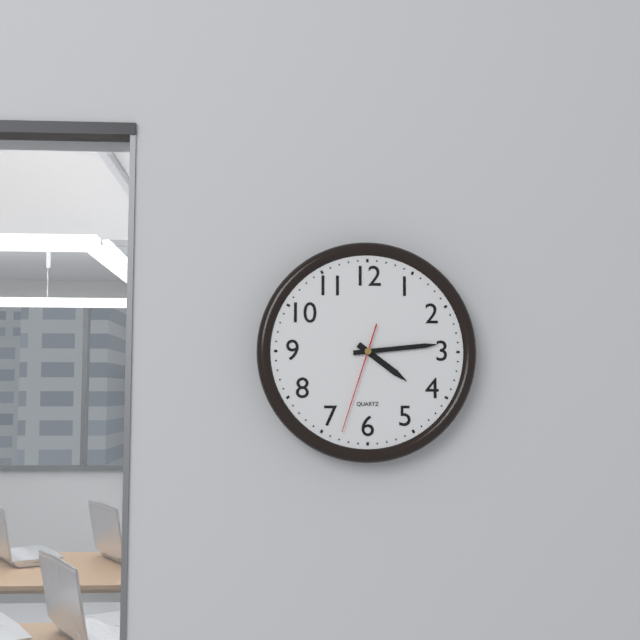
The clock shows **4:14:33**
